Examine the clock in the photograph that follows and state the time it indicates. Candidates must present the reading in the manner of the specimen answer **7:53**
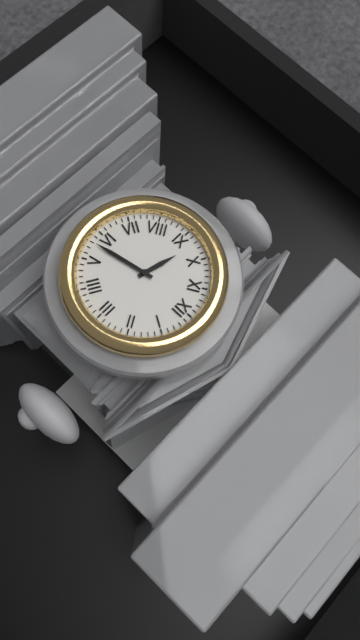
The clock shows **9:28**
